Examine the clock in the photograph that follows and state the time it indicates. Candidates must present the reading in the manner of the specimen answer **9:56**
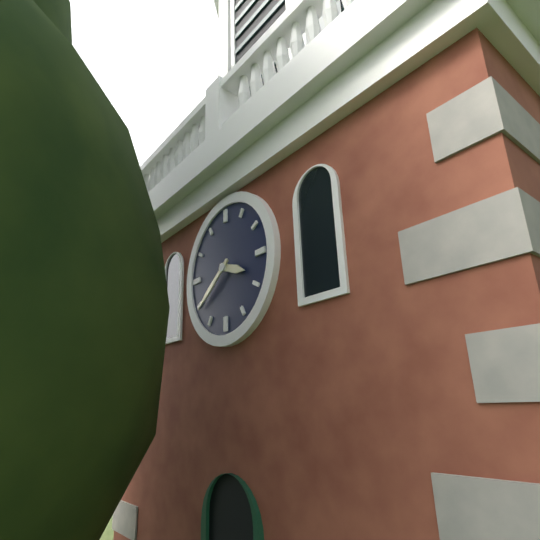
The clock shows **3:39**
